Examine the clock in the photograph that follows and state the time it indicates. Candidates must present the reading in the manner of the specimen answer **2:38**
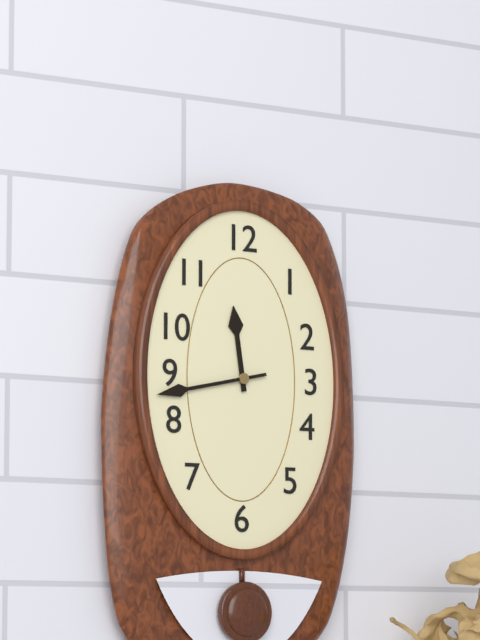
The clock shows **11:43**
